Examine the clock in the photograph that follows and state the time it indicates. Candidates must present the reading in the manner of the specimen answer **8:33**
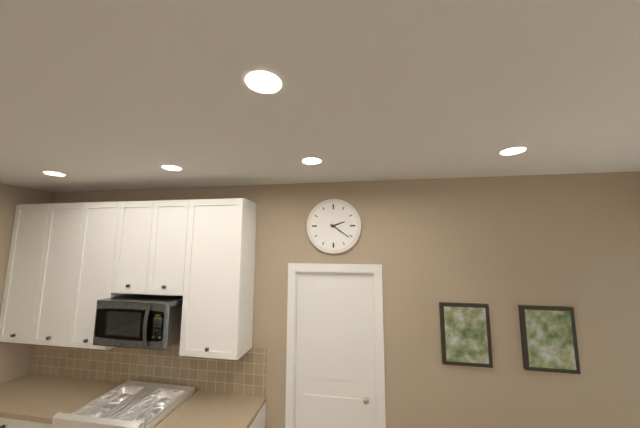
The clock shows **2:21**
